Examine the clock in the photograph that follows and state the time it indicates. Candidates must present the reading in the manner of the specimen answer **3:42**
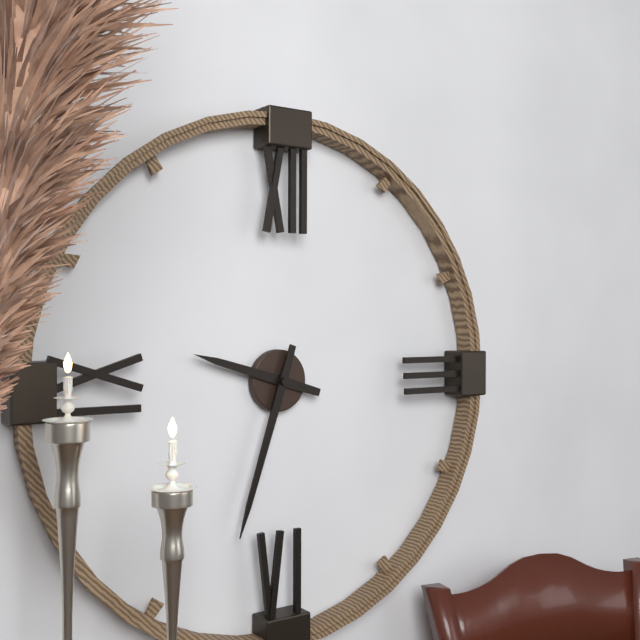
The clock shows **9:33**
